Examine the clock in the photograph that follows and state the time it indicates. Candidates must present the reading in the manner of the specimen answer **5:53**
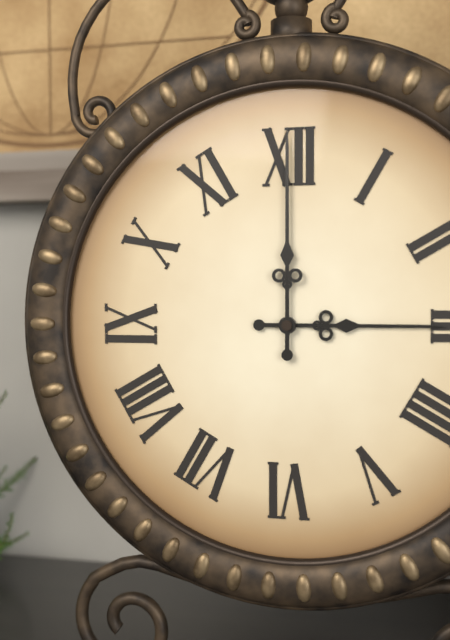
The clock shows **3:00**
